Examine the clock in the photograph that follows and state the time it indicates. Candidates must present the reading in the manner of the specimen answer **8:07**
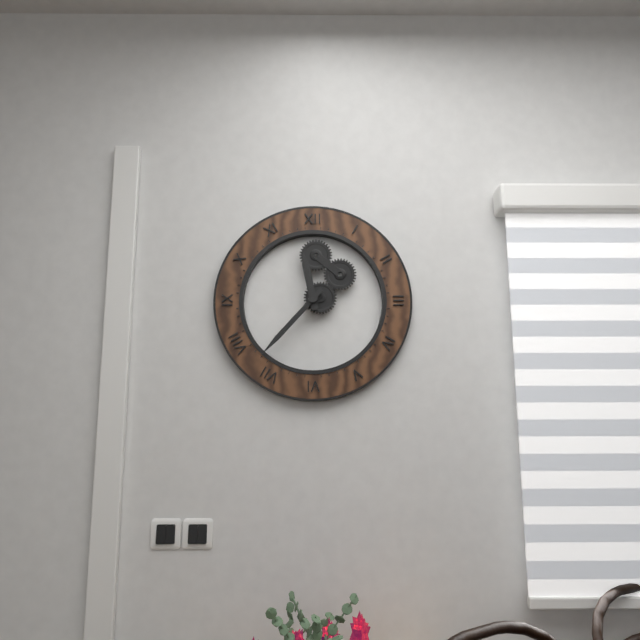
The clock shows **11:37**
